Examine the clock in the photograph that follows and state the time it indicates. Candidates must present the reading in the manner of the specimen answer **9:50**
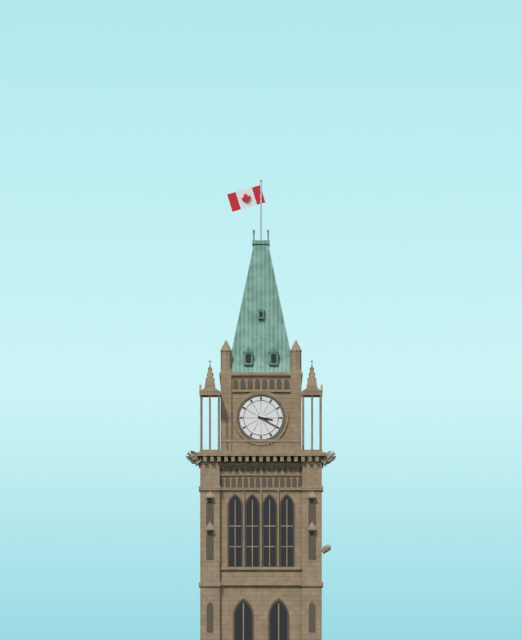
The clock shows **3:20**
